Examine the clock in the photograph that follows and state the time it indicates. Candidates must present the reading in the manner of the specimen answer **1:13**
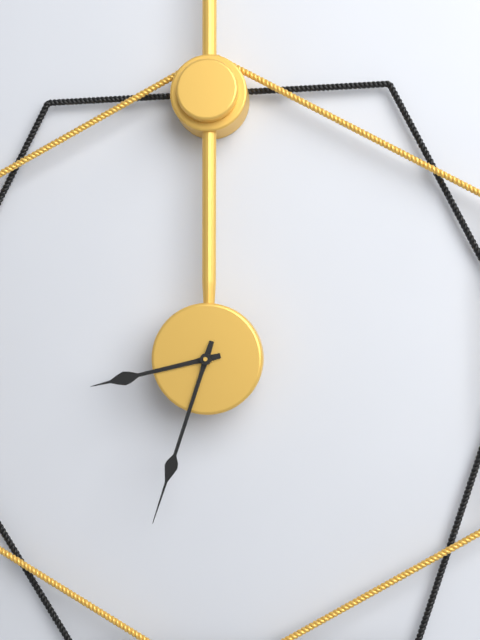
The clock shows **8:33**
